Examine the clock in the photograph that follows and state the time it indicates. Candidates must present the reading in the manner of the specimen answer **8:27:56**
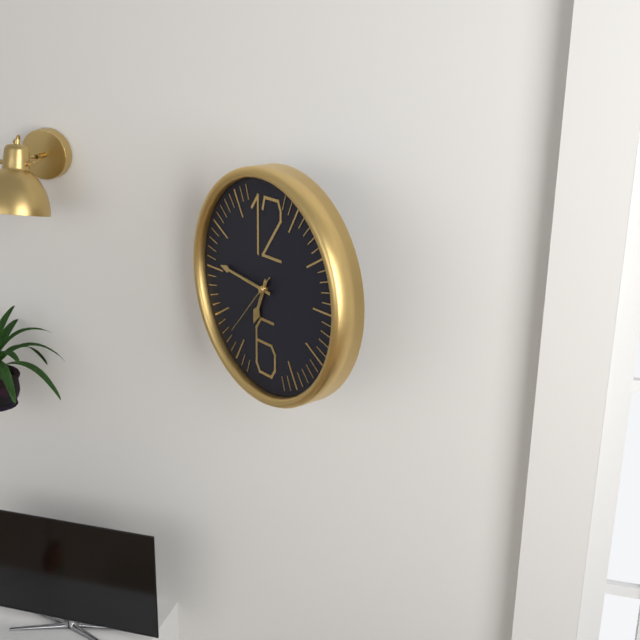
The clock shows **6:46:37**
